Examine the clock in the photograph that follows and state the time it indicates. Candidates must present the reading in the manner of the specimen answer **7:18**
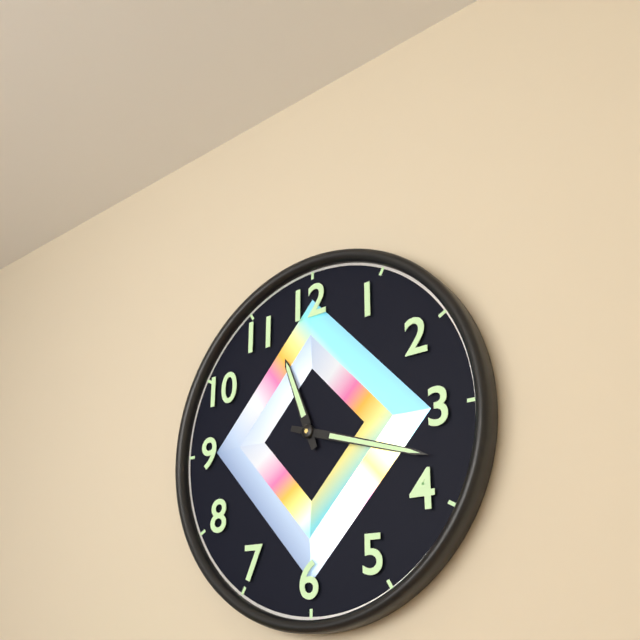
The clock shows **11:18**
